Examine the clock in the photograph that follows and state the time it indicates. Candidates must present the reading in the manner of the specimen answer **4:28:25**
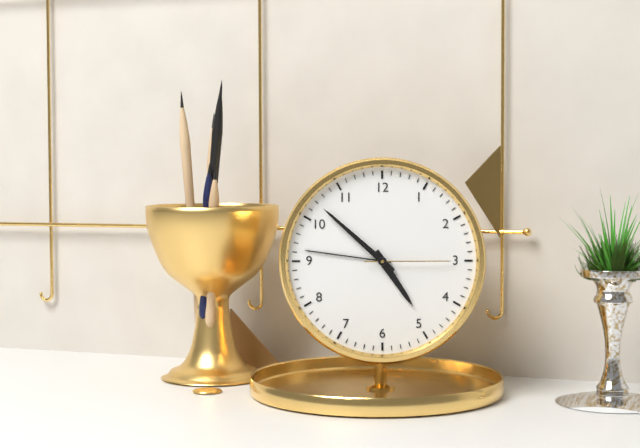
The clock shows **4:52:15**
